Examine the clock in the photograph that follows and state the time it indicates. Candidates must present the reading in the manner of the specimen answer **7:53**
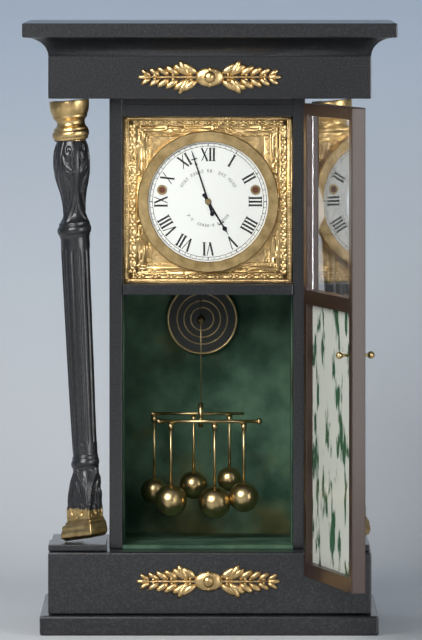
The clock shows **4:57**
